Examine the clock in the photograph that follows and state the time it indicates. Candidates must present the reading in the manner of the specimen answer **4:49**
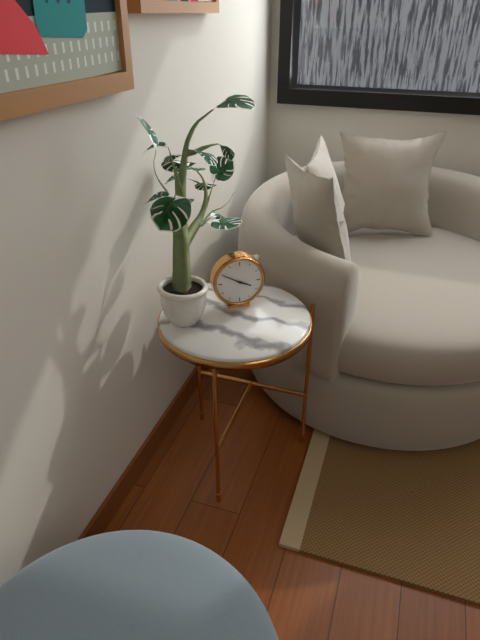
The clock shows **3:50**
